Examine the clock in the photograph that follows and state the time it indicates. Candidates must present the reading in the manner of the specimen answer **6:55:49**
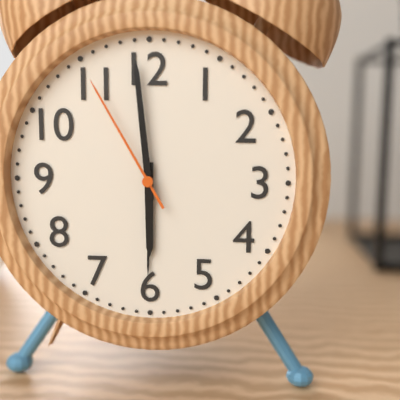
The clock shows **5:59:55**
